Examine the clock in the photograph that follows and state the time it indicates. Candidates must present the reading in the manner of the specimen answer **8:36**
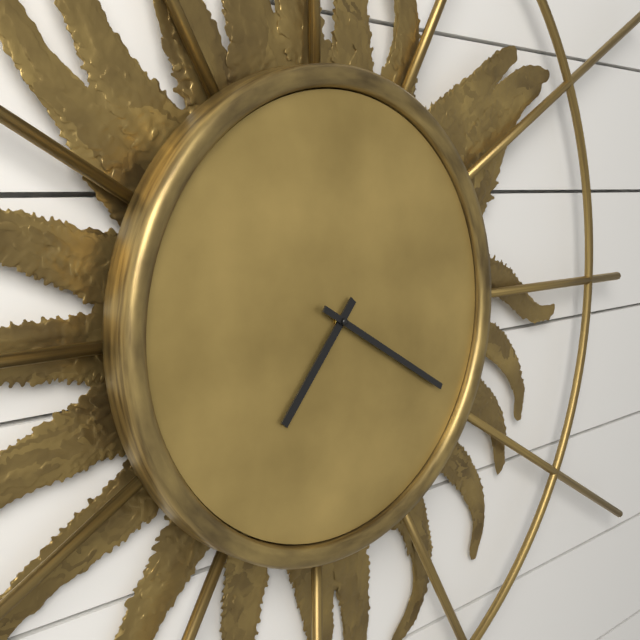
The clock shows **7:20**
